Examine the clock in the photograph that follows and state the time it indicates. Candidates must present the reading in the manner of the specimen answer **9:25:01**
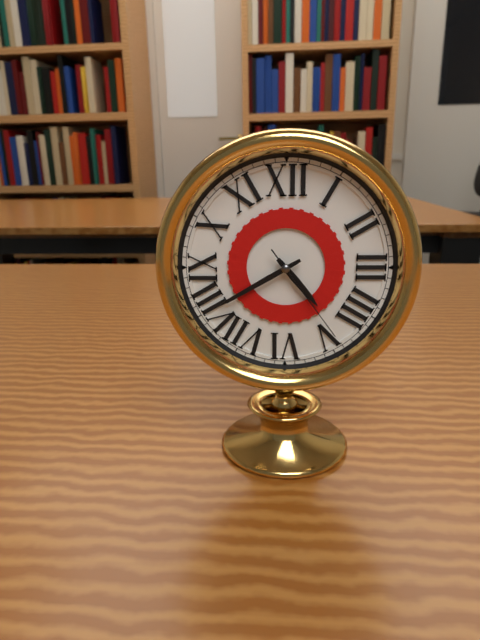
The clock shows **4:40:24**
